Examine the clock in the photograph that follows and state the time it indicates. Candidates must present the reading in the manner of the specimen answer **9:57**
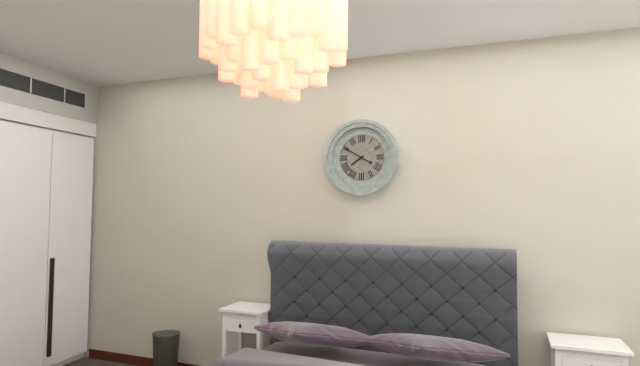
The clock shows **7:50**
